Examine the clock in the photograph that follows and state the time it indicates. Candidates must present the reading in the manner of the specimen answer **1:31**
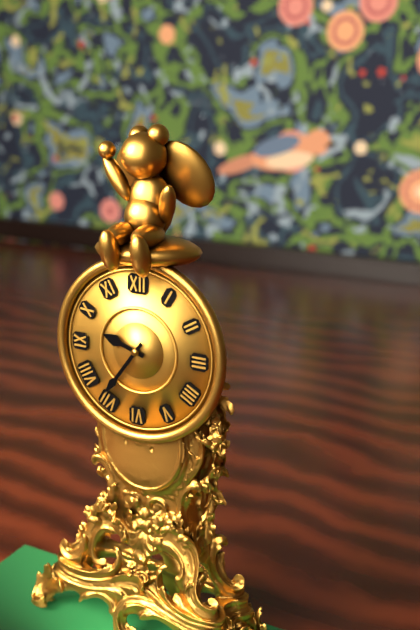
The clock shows **9:36**
